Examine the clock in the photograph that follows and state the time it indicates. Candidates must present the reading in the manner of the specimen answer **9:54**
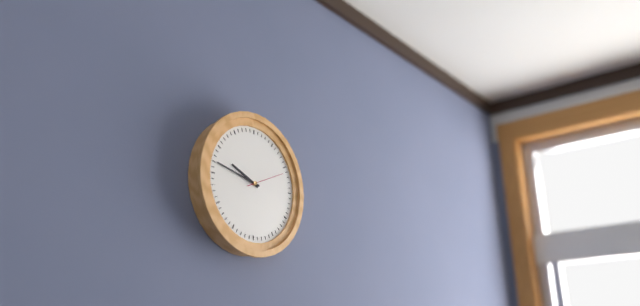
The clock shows **9:47**
